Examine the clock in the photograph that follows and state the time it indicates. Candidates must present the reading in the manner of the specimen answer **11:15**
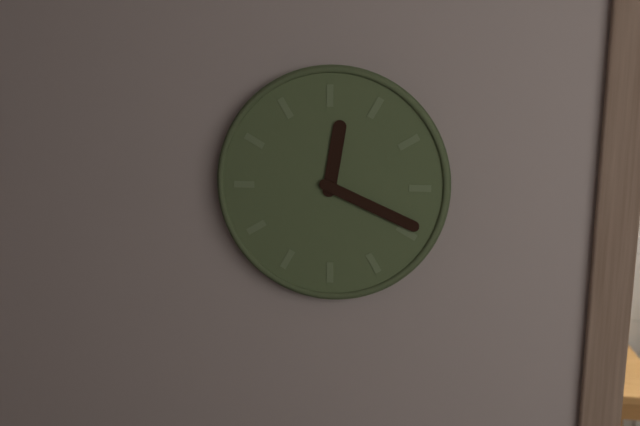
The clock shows **12:19**
